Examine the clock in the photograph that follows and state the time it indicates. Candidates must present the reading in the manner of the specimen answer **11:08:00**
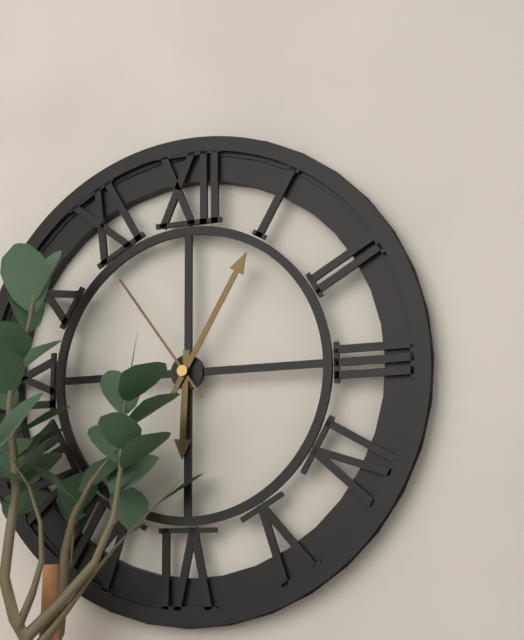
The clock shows **6:05:54**
